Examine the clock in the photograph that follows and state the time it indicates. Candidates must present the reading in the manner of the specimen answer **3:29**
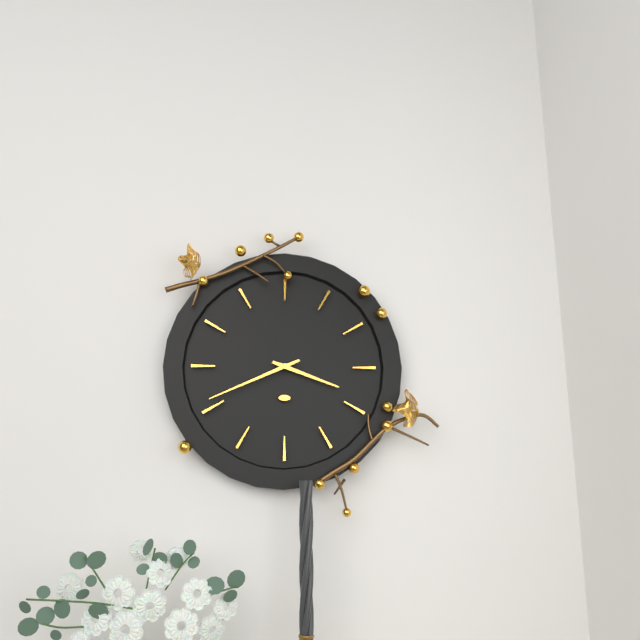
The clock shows **3:41**
